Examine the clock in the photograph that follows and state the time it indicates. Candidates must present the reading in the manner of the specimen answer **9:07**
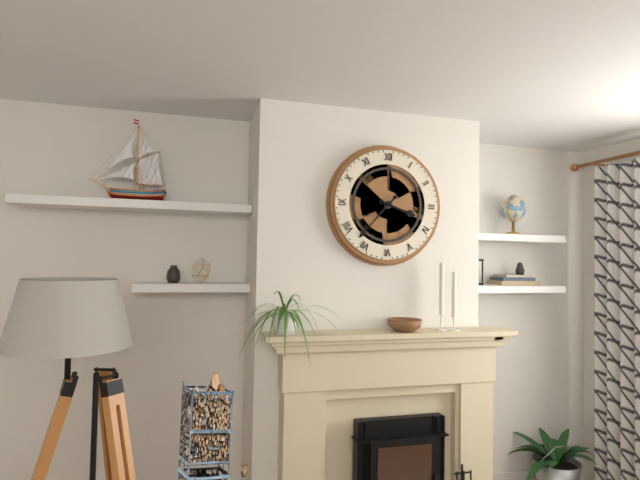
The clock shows **3:37**
